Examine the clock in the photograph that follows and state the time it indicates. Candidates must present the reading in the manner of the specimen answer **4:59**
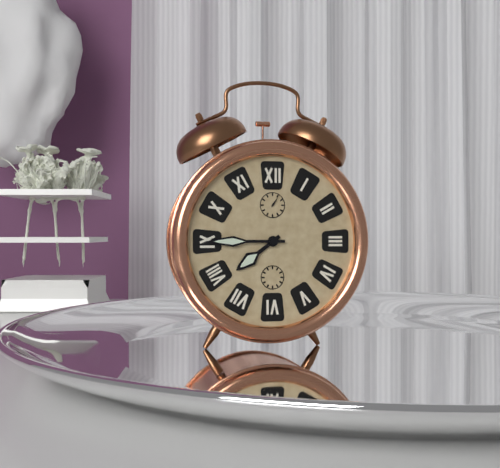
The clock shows **7:45**
